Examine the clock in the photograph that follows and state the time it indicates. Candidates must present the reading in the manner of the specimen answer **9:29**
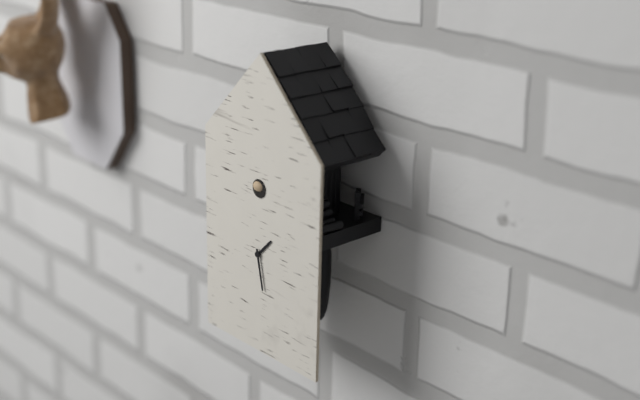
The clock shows **1:28**
